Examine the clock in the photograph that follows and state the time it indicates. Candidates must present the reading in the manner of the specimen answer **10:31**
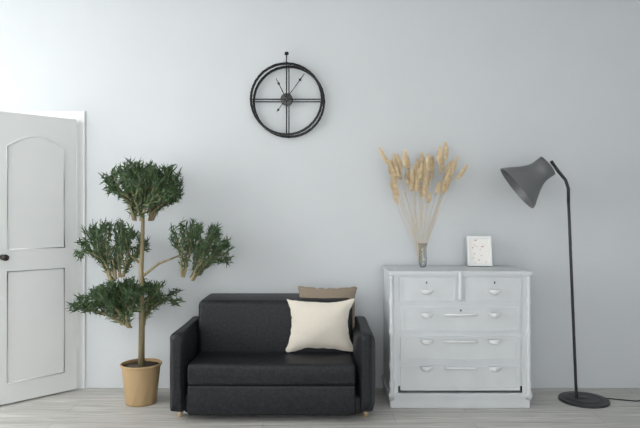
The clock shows **11:06**
